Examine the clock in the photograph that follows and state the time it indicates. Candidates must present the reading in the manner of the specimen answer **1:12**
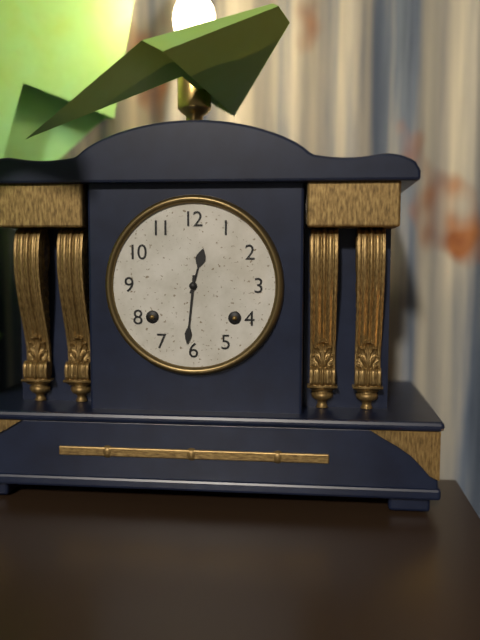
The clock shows **12:31**
